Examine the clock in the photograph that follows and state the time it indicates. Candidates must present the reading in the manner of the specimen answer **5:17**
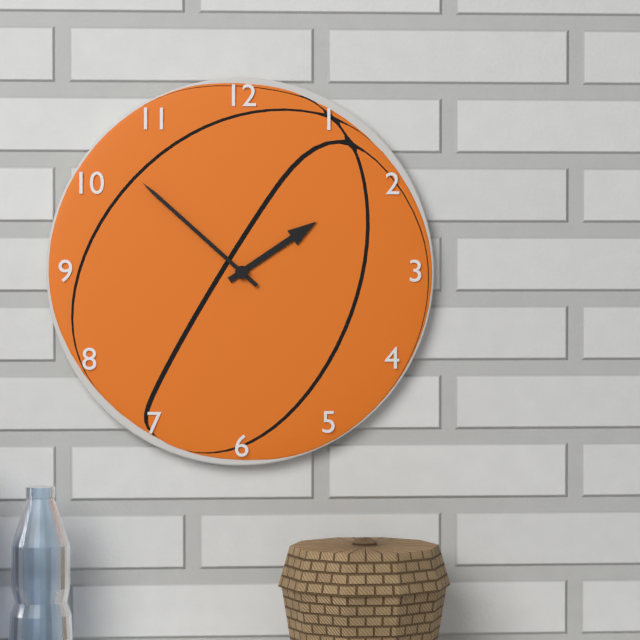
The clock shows **1:52**
